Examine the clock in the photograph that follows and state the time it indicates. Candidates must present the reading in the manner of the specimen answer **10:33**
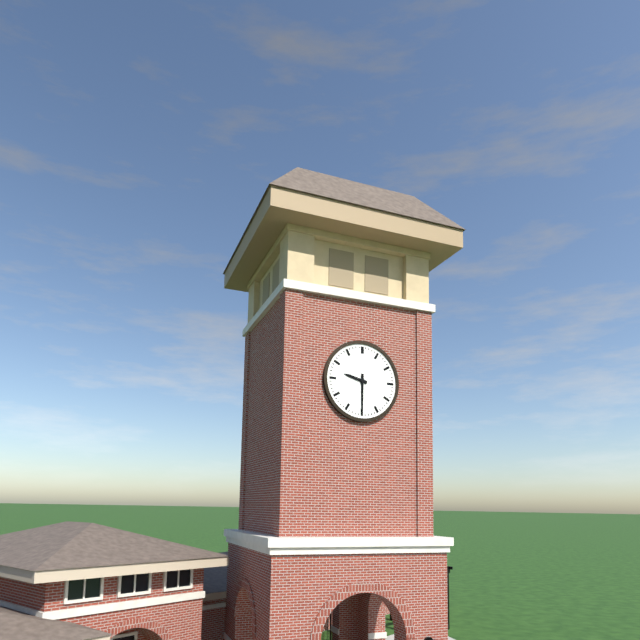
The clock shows **9:30**
